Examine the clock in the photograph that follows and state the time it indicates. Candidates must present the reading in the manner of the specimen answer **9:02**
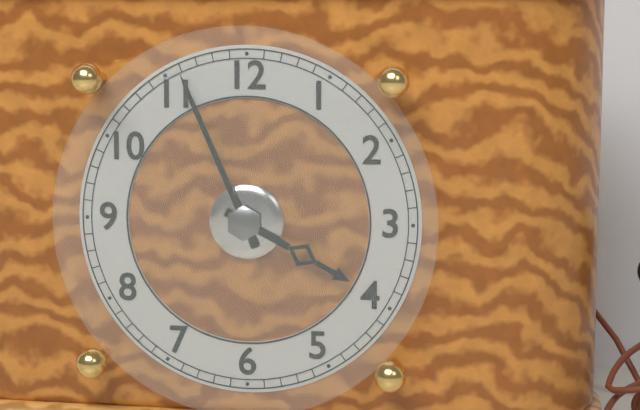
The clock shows **3:56**
